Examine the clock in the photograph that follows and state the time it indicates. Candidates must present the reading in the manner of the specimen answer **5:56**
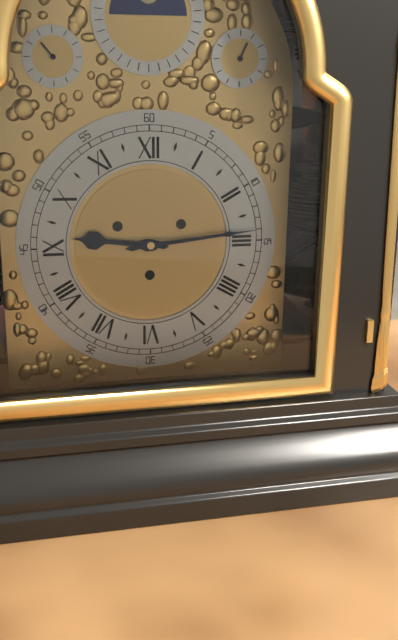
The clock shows **9:14**
